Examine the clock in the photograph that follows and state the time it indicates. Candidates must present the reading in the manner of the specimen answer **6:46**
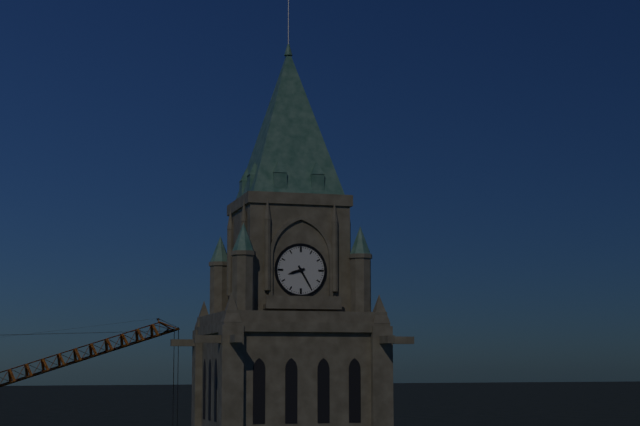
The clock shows **8:25**
